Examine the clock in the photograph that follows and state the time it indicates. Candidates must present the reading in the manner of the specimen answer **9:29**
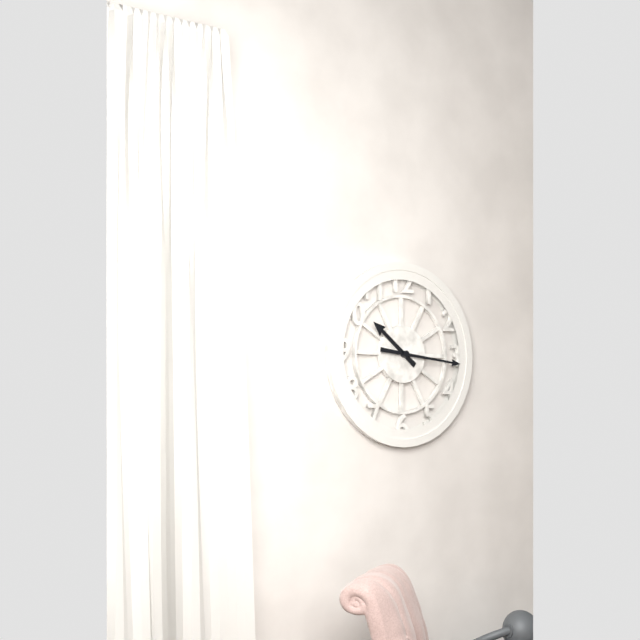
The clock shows **10:16**
